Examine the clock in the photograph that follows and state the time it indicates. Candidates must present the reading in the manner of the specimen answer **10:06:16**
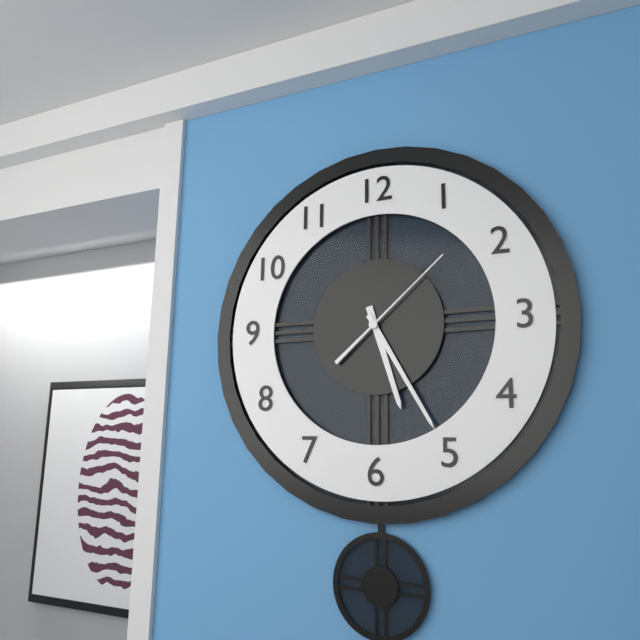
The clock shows **5:25:08**
